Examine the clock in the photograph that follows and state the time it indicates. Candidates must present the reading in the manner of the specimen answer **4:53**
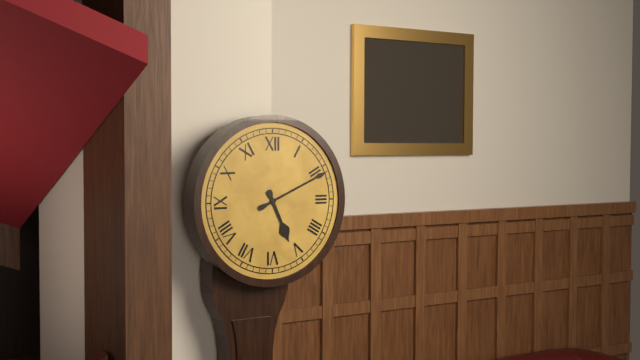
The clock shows **5:11**
